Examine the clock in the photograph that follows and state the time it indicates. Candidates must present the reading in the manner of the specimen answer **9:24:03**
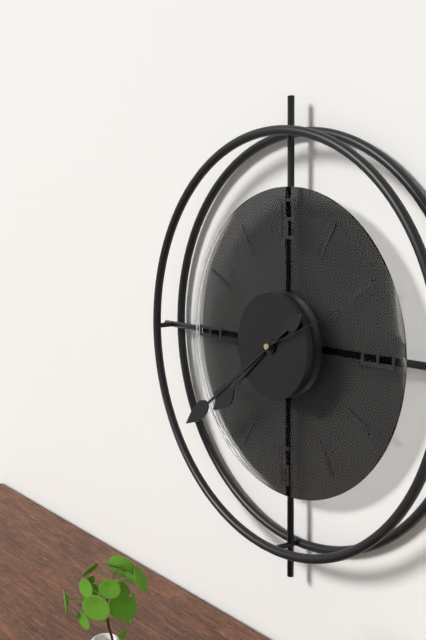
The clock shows **7:39:11**
